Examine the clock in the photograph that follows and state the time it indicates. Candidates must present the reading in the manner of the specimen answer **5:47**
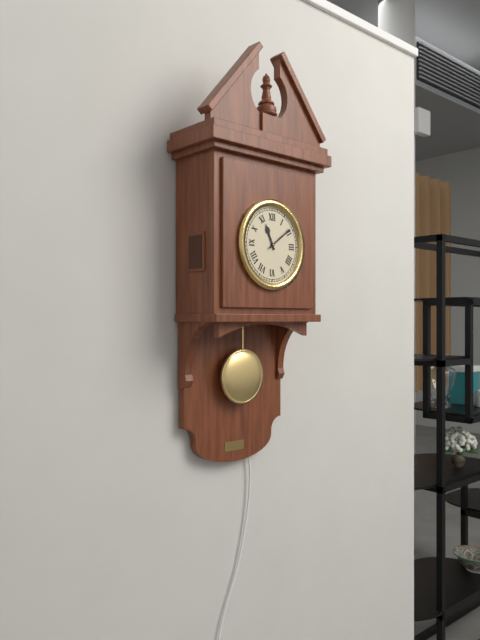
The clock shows **11:09**
